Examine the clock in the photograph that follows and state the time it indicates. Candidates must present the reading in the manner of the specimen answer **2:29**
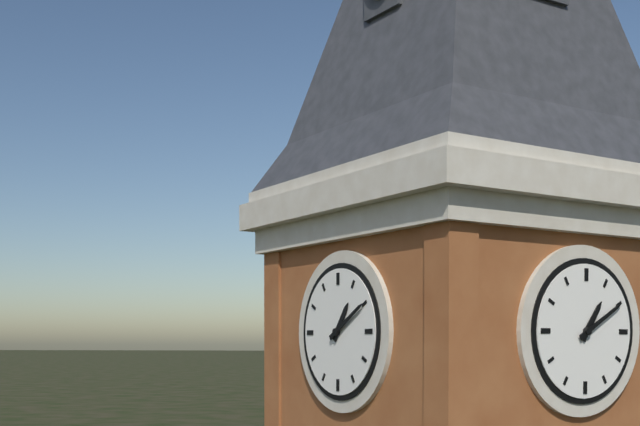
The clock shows **1:10**
